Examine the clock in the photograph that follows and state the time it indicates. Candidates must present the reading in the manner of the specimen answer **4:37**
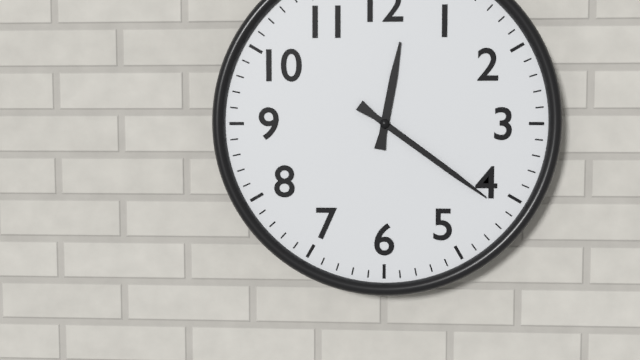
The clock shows **12:21**
